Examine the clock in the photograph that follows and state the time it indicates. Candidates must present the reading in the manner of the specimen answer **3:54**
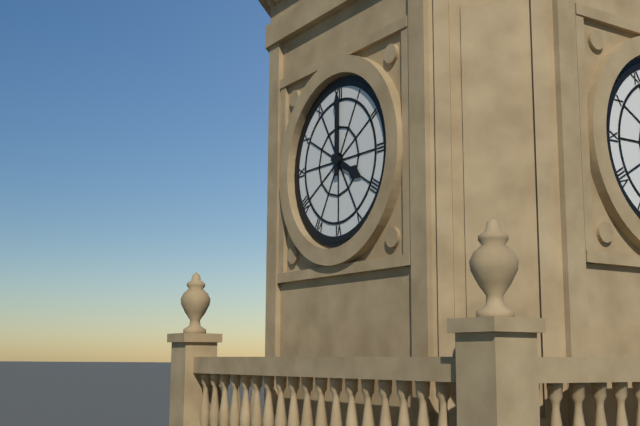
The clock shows **4:00**
